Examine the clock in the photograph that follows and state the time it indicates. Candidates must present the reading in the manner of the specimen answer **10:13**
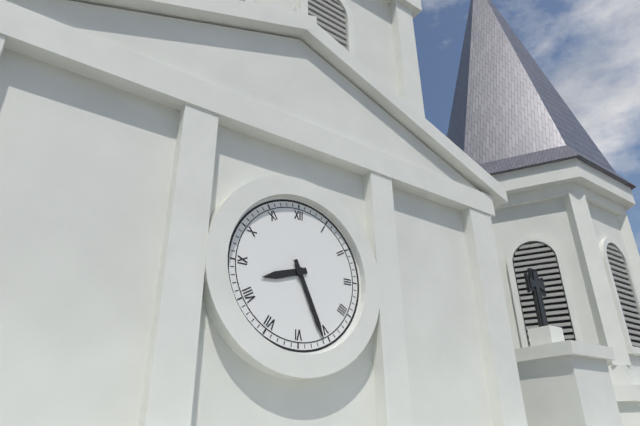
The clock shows **8:26**
